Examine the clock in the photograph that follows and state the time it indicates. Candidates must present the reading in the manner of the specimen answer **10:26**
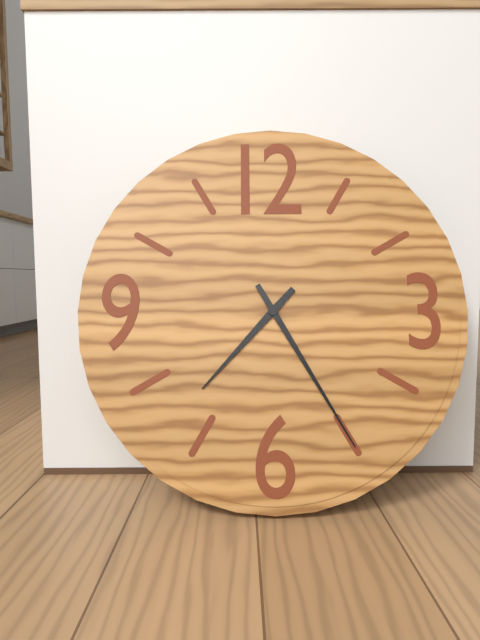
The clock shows **7:25**
